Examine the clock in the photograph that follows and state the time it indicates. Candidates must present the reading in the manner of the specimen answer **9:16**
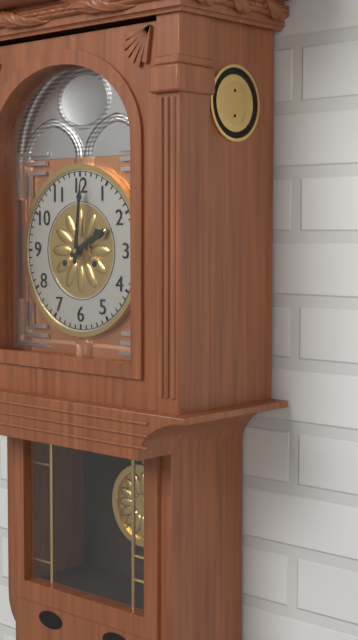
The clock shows **2:01**
